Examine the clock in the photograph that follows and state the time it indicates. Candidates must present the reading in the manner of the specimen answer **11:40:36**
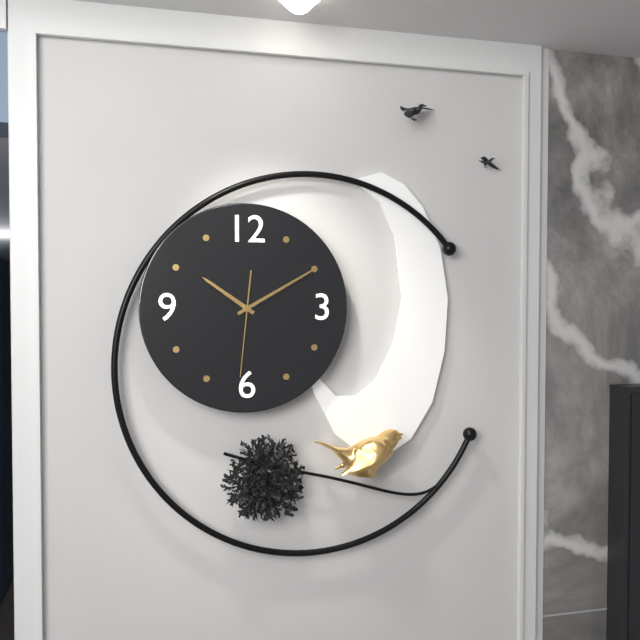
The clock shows **10:10:31**
